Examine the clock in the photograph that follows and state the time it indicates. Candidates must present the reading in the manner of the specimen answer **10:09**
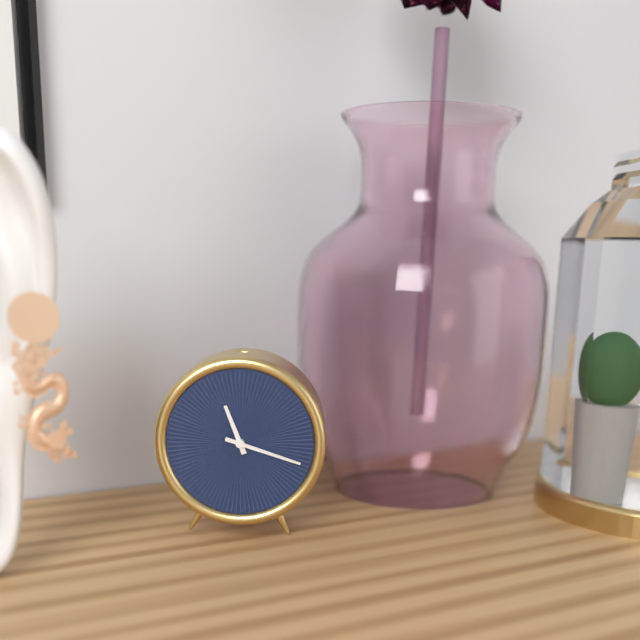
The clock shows **11:18**
